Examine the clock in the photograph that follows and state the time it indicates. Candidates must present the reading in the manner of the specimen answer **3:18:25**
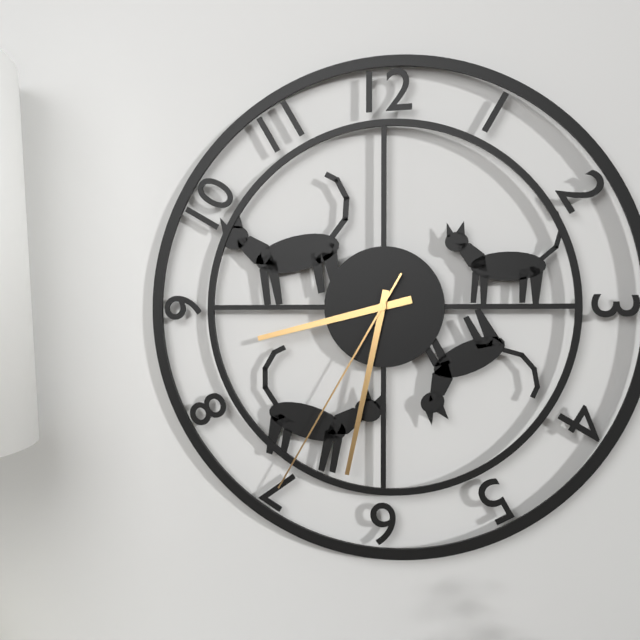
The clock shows **8:32:35**
